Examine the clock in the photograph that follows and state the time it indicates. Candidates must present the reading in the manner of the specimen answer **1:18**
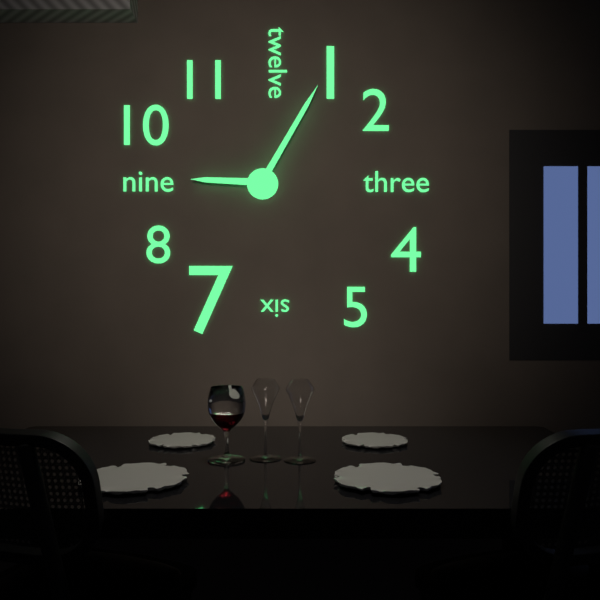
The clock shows **9:05**
